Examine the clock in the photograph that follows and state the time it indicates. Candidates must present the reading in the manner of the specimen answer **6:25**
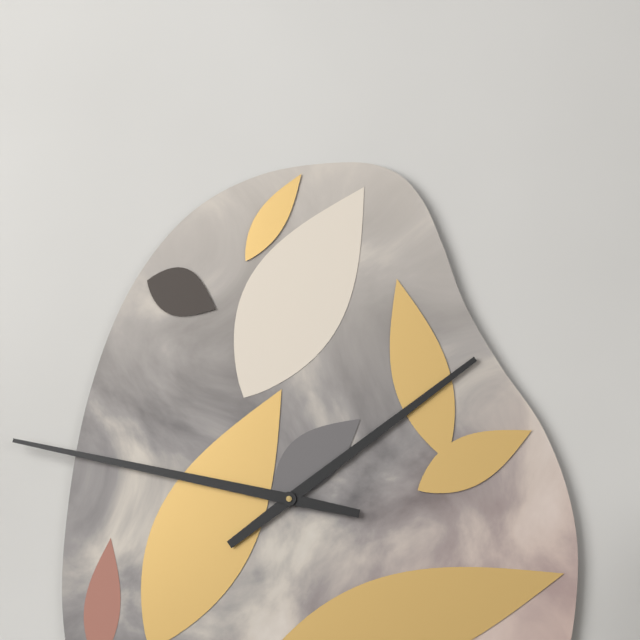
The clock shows **1:47**
